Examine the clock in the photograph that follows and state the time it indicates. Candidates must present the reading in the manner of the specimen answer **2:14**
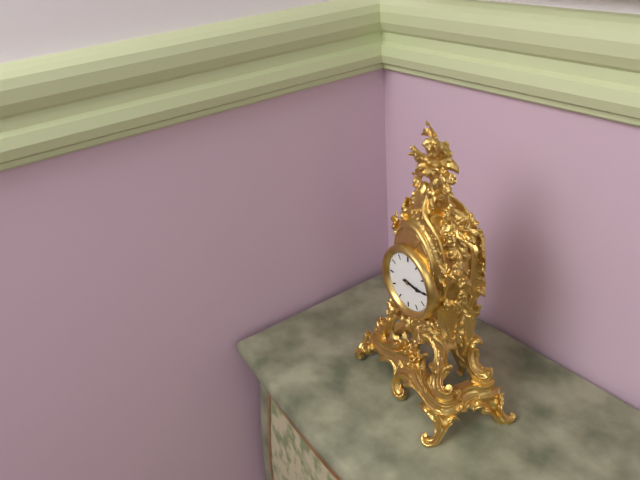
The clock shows **3:15**
